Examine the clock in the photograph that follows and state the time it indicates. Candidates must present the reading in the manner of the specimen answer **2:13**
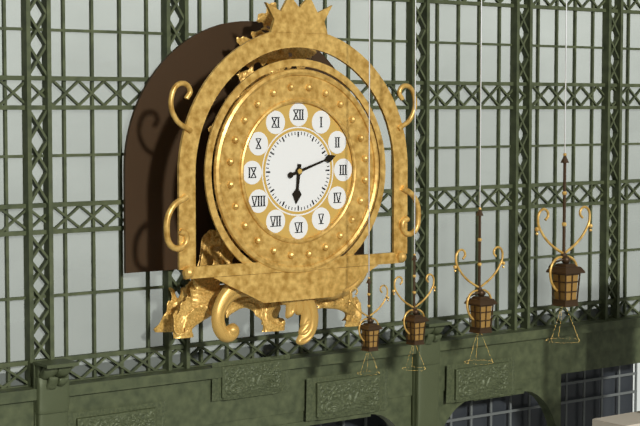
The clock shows **6:12**
